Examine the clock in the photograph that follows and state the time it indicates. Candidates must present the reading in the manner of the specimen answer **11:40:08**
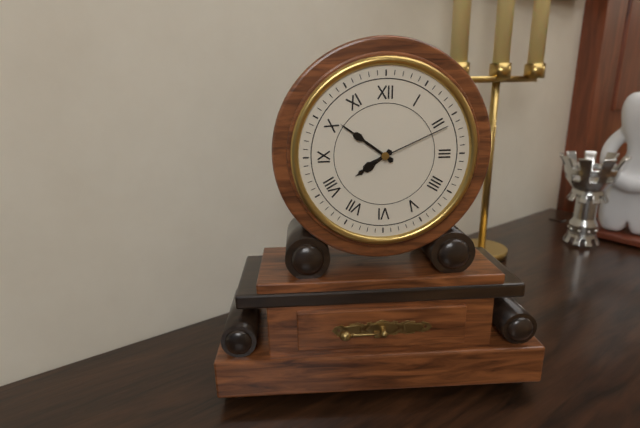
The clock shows **7:51:11**
